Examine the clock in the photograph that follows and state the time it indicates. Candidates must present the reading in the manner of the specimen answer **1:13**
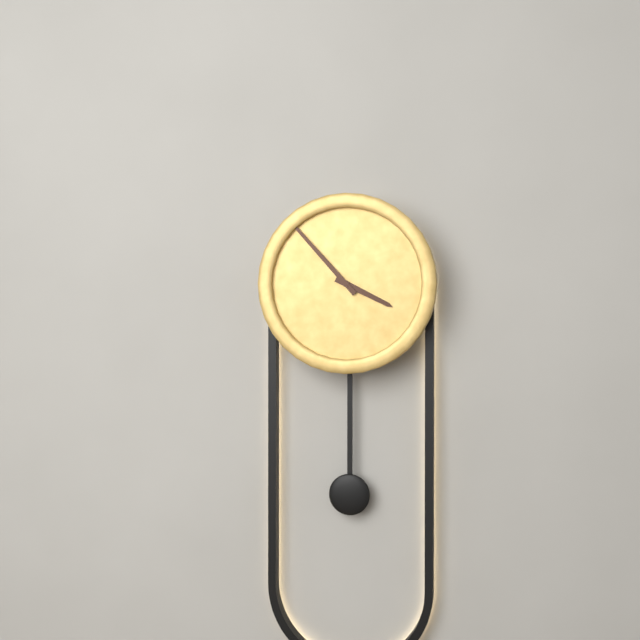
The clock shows **3:53**
